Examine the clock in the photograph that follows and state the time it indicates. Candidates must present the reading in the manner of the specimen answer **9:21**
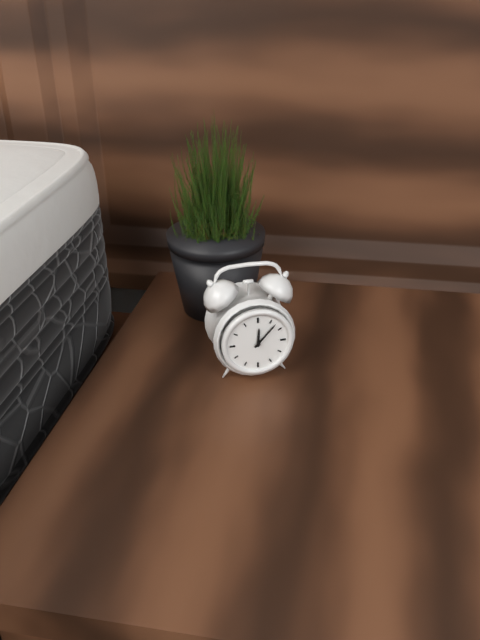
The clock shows **12:07**
